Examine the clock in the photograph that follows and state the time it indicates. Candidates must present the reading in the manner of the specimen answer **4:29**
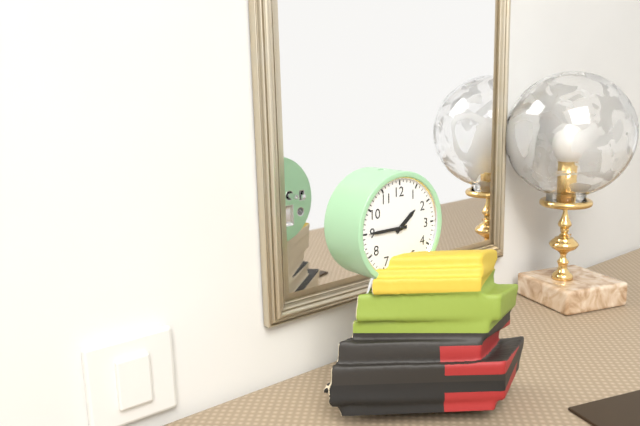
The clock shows **1:45**
